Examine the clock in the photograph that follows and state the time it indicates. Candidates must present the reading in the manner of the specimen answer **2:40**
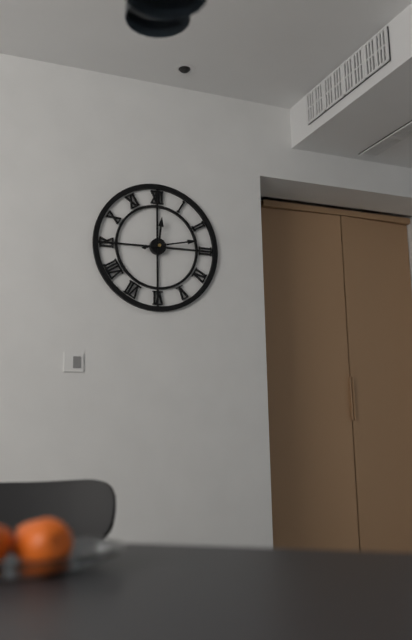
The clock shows **12:13**
